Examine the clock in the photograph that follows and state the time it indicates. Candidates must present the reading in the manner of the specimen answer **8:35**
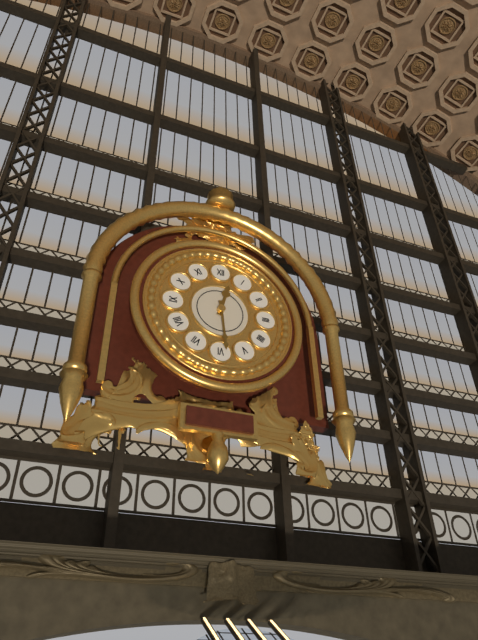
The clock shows **12:29**
